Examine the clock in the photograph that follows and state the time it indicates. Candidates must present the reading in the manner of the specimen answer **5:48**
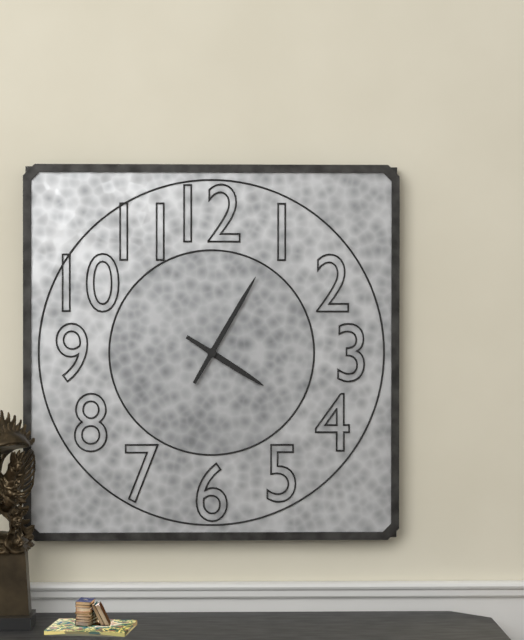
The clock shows **4:05**
